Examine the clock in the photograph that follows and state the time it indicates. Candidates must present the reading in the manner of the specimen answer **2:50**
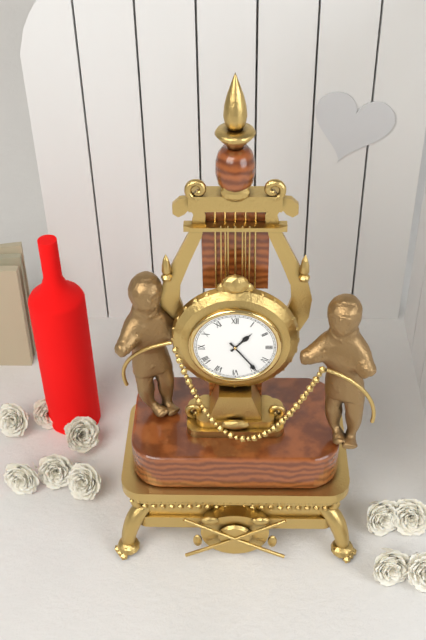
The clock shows **1:24**
